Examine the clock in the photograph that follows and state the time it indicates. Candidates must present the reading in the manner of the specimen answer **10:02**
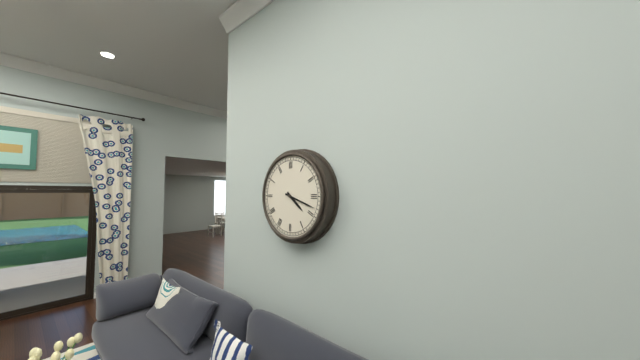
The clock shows **4:18**
